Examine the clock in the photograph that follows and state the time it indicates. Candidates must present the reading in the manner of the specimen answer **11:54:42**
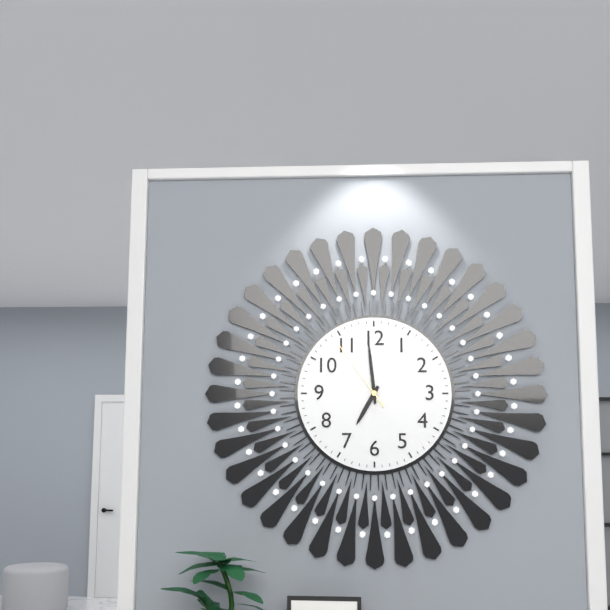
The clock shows **6:59:54**
